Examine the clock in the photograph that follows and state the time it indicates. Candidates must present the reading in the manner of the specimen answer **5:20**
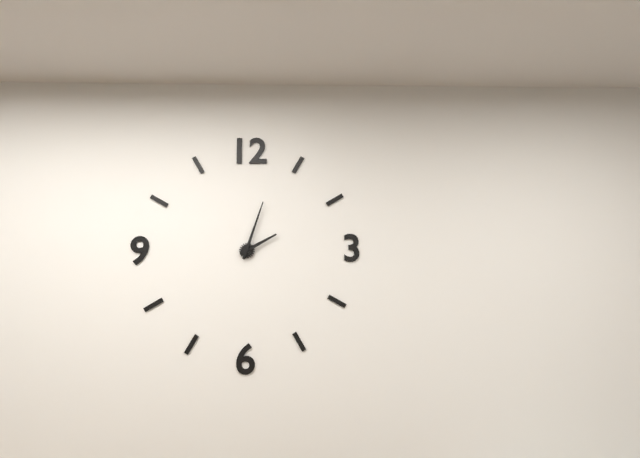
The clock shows **2:03**
